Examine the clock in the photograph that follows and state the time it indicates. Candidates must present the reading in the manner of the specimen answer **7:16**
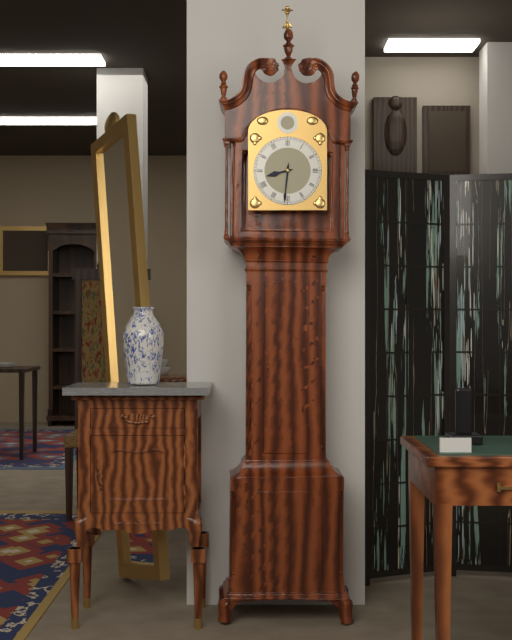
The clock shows **8:31**
